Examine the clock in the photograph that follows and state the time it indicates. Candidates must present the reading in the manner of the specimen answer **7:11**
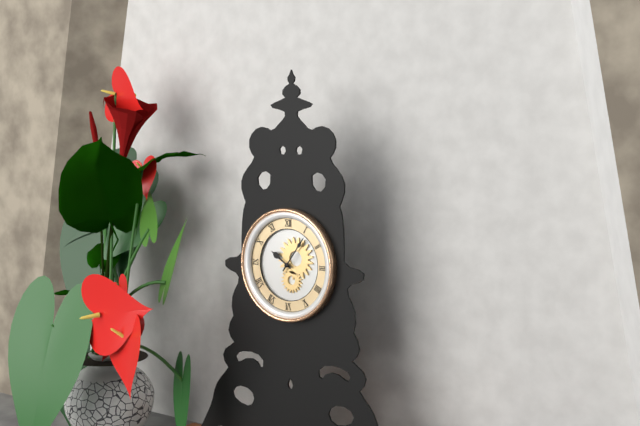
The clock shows **10:06**
